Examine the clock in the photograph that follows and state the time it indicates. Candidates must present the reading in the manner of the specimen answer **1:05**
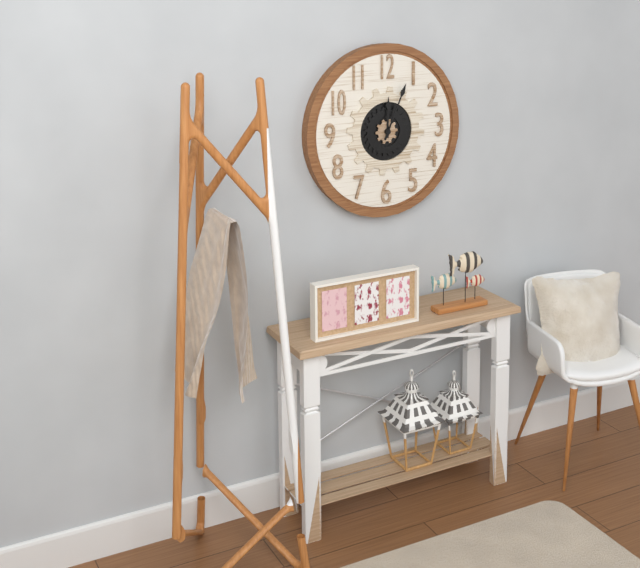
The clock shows **12:04**
